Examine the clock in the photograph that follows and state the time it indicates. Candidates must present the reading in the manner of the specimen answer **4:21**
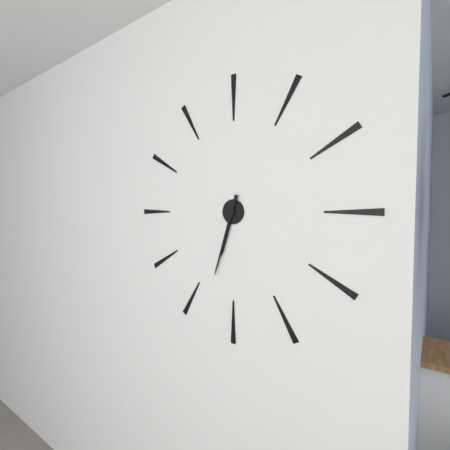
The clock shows **6:33**
